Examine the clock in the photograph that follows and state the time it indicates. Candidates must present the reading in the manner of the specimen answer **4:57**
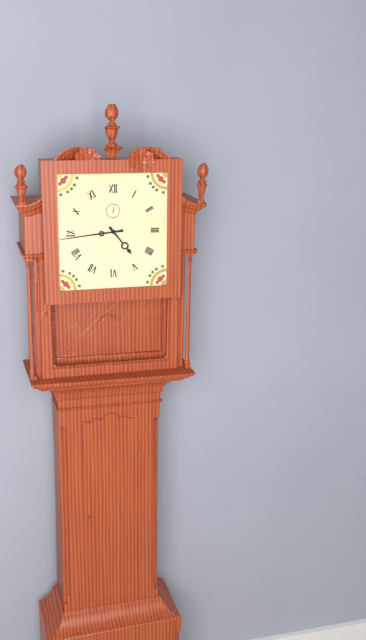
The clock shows **4:44**
